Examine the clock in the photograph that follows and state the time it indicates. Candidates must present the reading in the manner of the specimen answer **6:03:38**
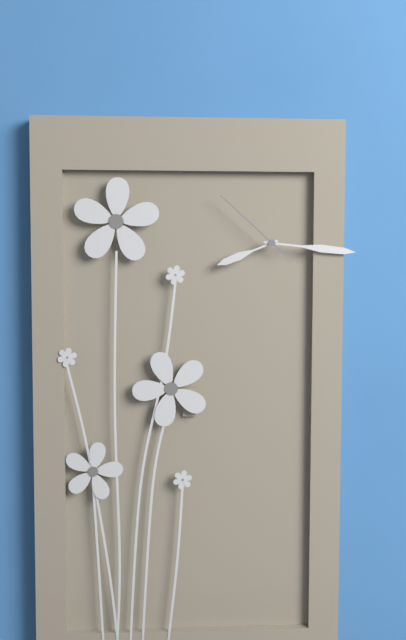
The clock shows **8:16:52**
